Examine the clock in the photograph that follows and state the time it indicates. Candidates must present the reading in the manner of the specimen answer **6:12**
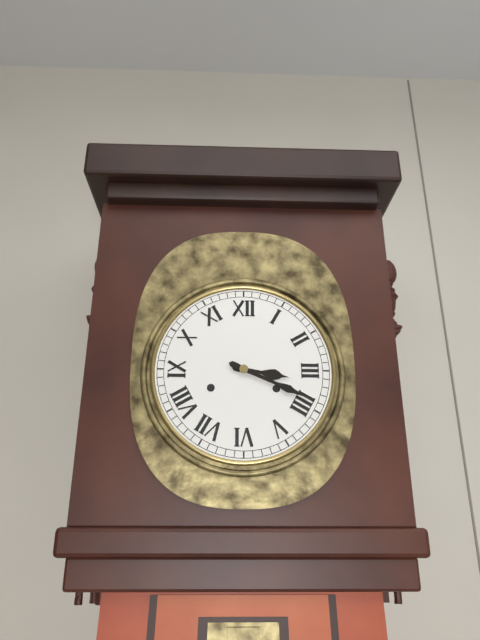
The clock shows **3:19**
